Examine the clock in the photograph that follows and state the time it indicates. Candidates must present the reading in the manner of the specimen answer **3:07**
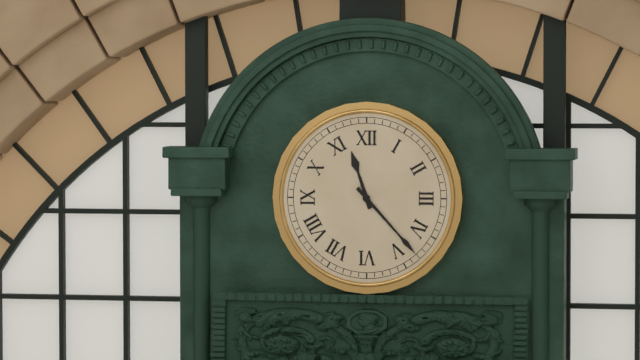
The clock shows **11:23**
